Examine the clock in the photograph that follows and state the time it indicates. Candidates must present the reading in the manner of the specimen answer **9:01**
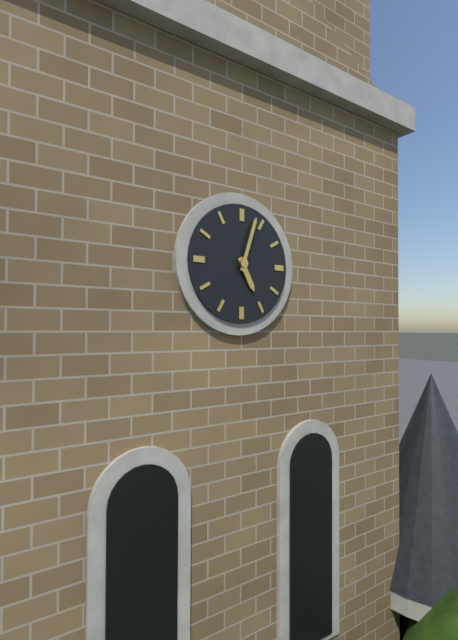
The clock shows **5:03**
